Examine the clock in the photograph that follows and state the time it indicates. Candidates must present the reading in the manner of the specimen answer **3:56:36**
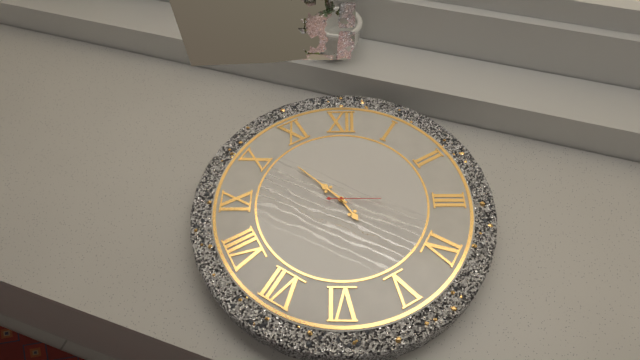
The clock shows **4:52:15**
